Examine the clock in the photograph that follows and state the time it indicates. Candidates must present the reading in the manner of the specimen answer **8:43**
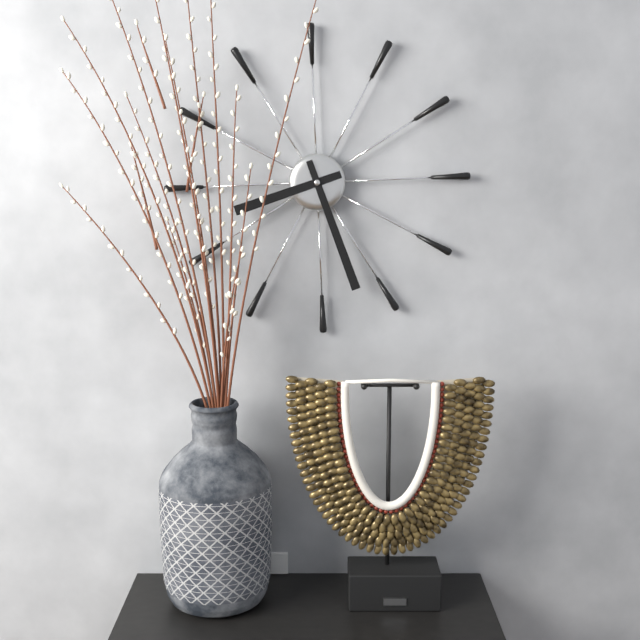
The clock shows **8:27**
